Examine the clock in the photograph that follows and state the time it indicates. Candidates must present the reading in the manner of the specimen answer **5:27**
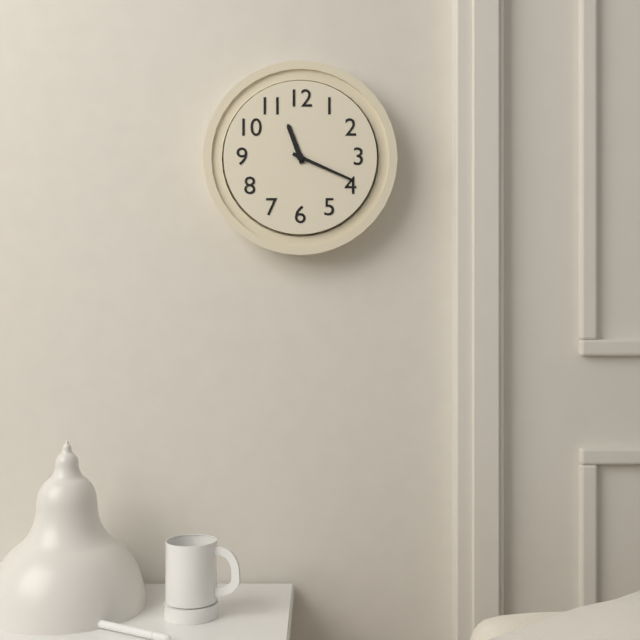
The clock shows **11:19**
